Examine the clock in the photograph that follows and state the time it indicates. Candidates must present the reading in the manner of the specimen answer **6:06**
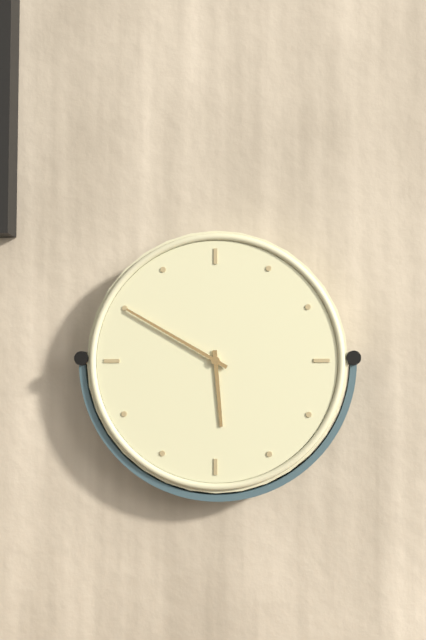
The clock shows **5:50**
